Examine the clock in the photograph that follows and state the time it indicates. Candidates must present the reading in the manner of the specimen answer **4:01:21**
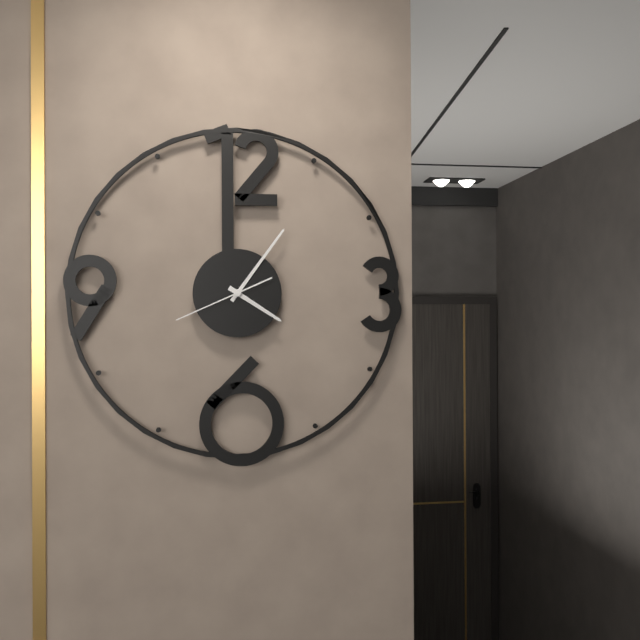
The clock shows **4:06:41**
